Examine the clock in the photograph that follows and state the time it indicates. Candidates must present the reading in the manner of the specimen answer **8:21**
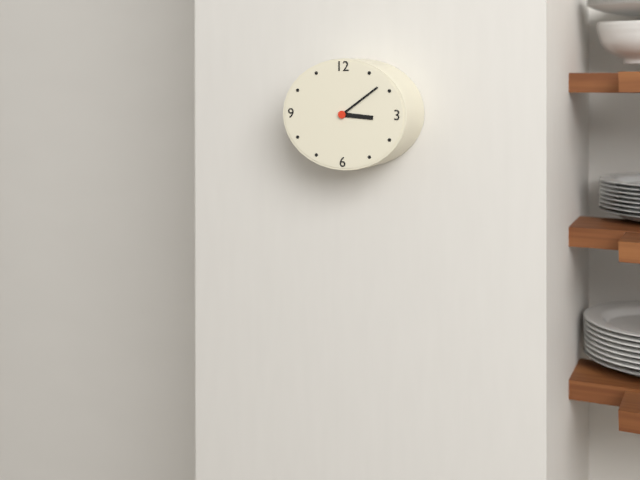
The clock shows **3:09**
